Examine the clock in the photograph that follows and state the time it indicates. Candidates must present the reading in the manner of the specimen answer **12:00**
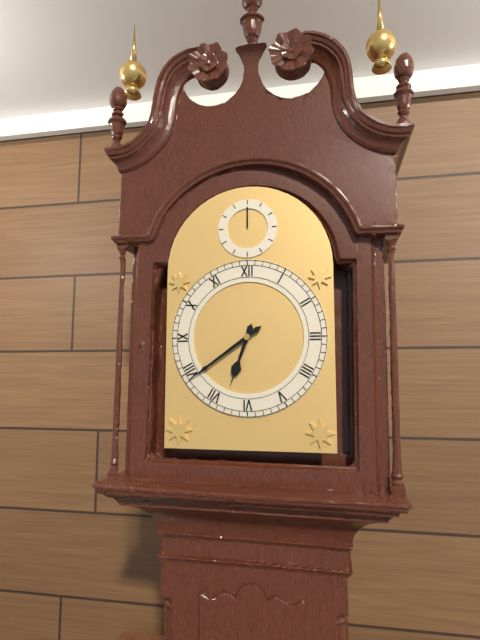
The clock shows **6:39**
